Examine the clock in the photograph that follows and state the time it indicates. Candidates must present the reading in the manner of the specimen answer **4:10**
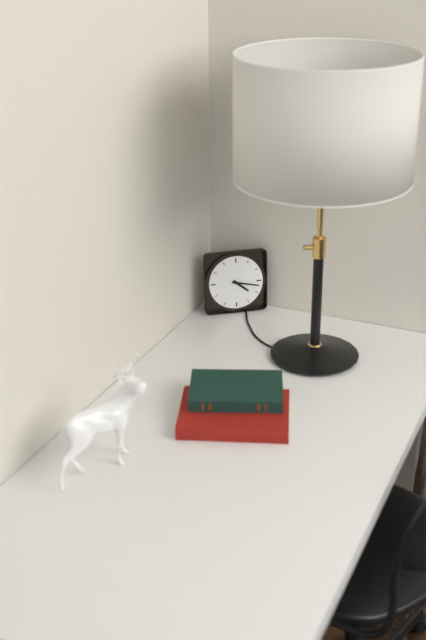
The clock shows **4:17**
